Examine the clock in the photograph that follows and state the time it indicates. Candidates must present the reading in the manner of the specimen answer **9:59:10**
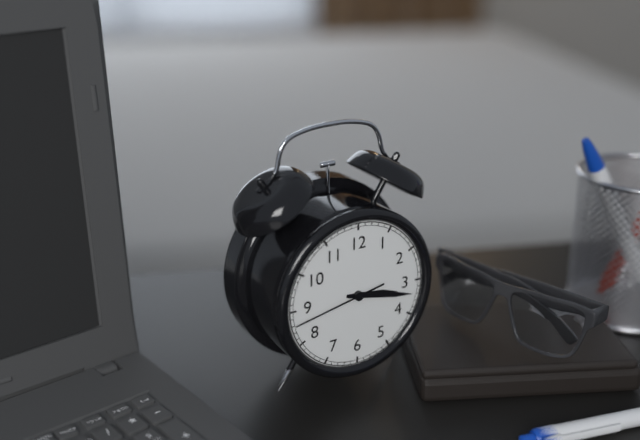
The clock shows **3:17:43**
